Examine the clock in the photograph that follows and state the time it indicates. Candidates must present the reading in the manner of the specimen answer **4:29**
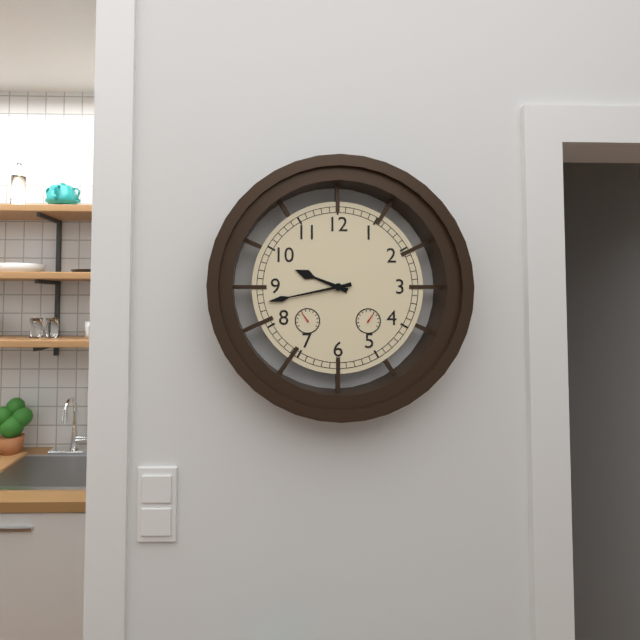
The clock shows **9:43**
